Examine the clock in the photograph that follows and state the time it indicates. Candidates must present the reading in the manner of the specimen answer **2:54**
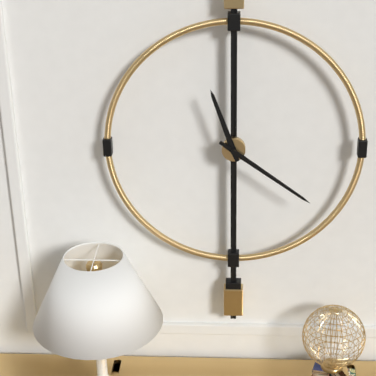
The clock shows **11:21**
